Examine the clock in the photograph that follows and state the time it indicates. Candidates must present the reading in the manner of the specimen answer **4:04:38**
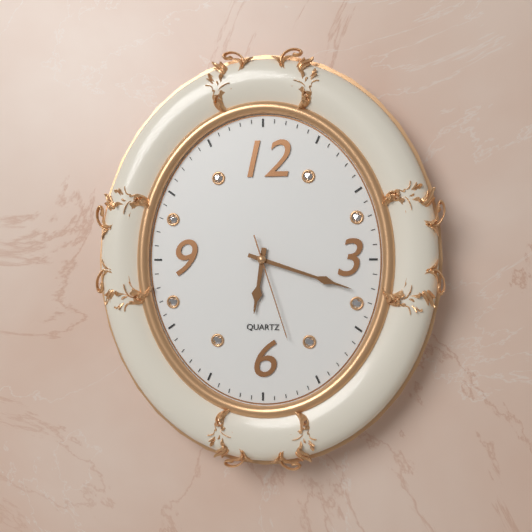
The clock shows **6:18:27**
